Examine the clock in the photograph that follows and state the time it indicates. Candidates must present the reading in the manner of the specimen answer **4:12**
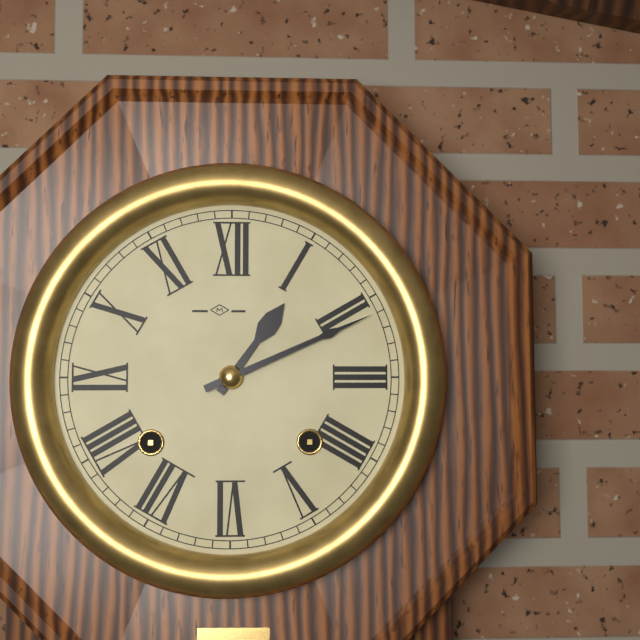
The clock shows **1:11**
